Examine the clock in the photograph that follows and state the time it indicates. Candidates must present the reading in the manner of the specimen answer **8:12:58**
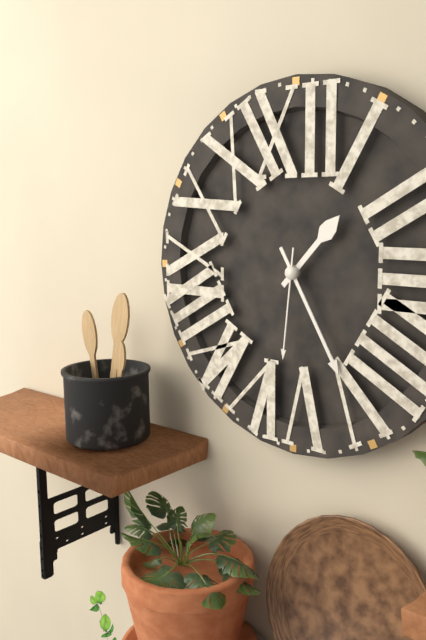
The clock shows **1:25:31**
